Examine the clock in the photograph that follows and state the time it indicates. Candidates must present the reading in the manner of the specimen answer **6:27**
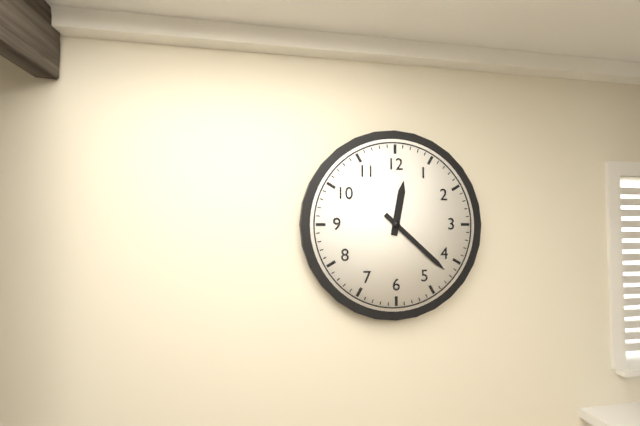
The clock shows **12:22**
